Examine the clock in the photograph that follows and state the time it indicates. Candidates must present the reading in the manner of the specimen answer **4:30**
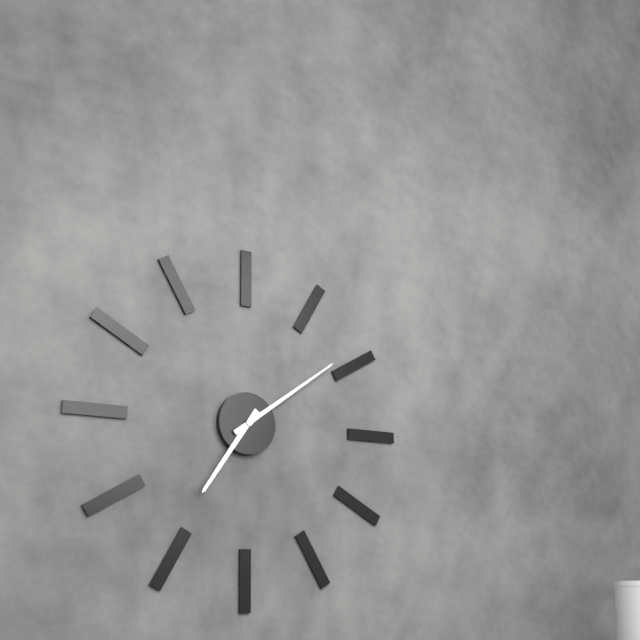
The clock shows **7:09**
